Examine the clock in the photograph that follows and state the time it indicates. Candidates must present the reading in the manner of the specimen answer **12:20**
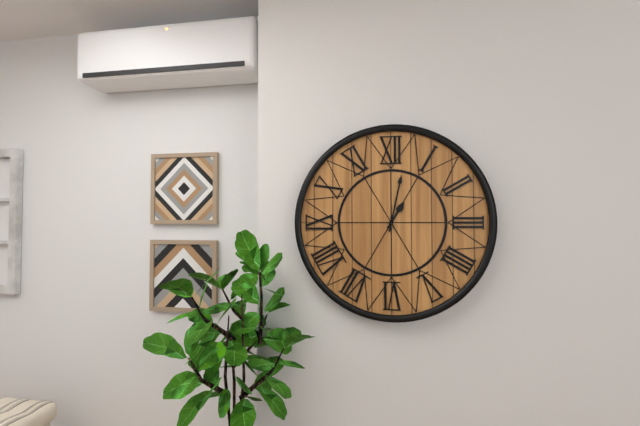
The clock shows **1:02**
